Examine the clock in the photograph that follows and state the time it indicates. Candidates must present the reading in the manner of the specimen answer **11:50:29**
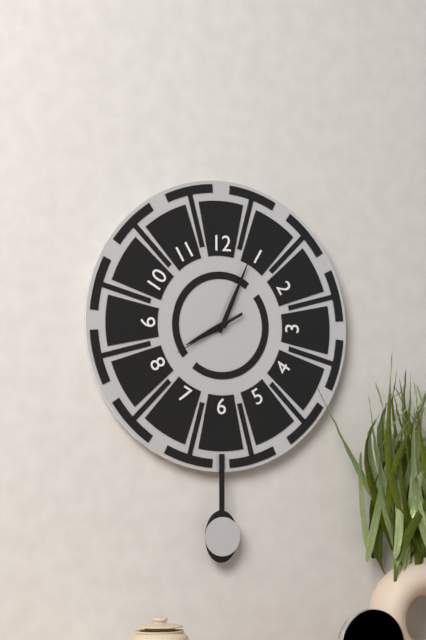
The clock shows **8:04:40**
